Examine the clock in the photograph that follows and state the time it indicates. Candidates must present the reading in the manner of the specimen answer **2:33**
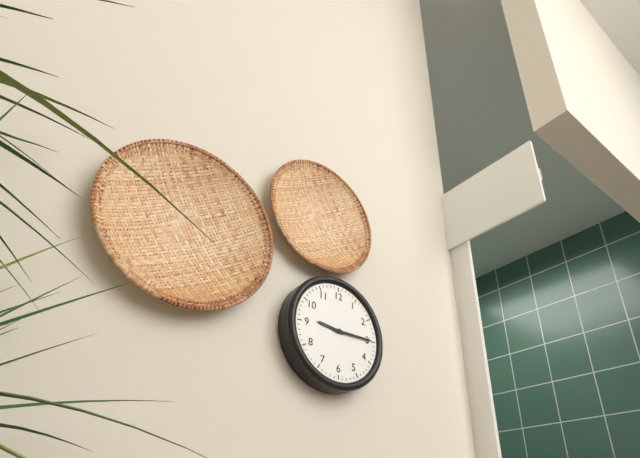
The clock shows **9:15**
